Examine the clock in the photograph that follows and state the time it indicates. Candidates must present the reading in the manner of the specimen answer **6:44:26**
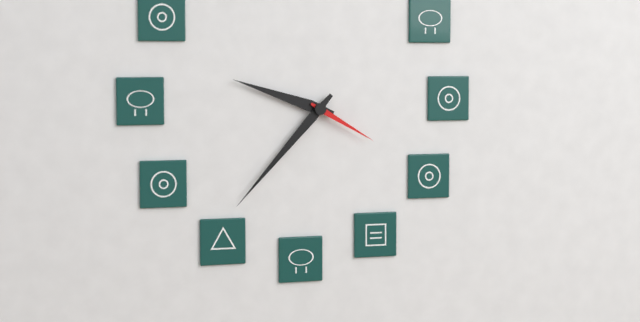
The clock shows **9:37:20**
